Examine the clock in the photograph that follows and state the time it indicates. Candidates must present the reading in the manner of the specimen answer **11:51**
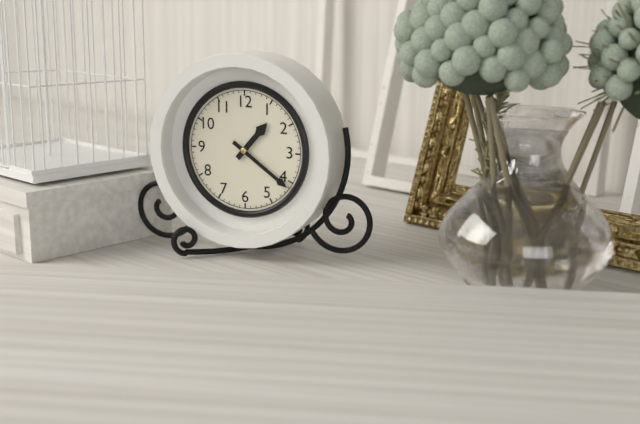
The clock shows **1:21**
